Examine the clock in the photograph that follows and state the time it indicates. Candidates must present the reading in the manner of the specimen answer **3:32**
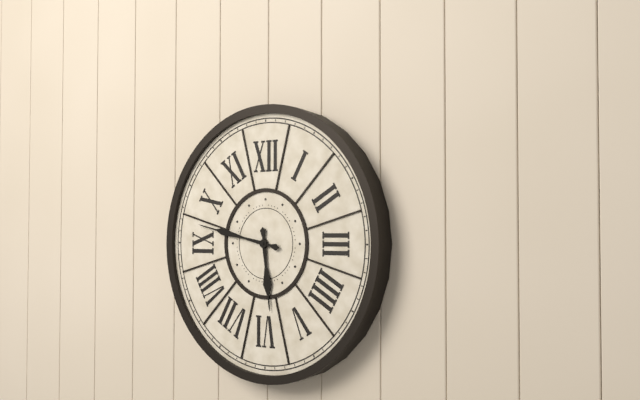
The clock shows **5:47**
